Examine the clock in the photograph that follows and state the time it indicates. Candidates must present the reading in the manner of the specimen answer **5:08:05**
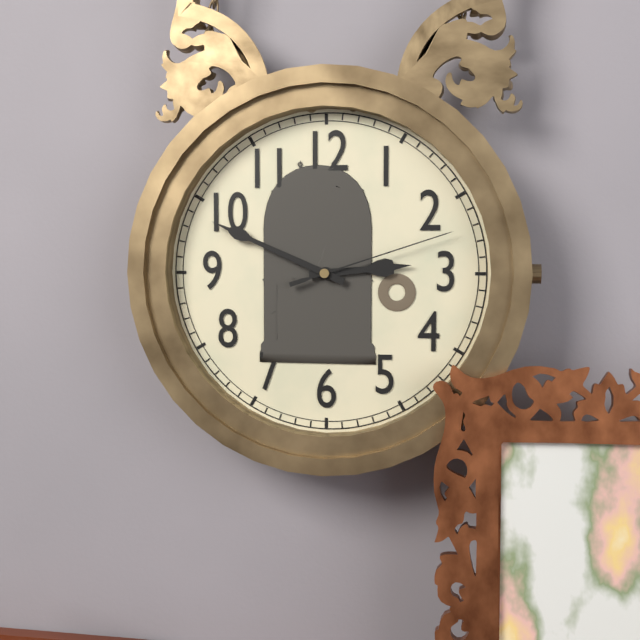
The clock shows **2:49:12**
